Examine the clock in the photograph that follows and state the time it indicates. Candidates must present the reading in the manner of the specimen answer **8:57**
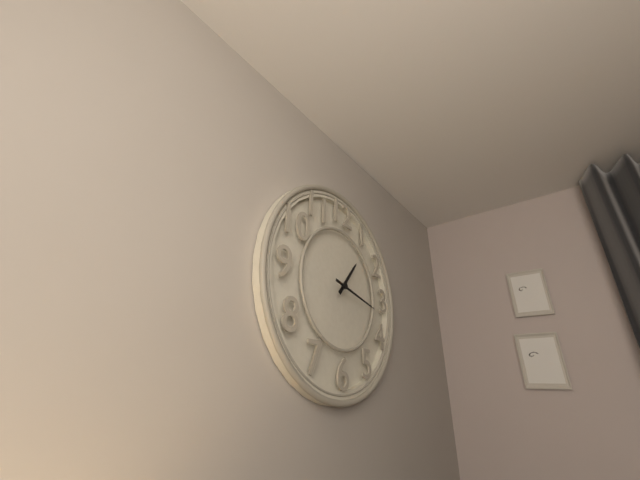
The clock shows **1:17**
